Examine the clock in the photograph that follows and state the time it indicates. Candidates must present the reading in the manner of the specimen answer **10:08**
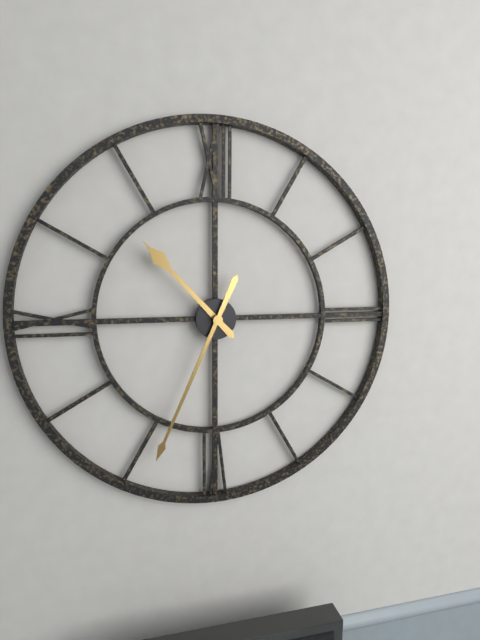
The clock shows **10:34**
